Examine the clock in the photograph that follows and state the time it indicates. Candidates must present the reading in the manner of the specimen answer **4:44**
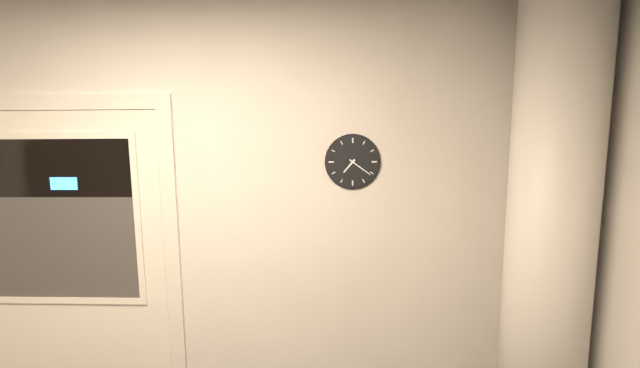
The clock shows **7:21**
